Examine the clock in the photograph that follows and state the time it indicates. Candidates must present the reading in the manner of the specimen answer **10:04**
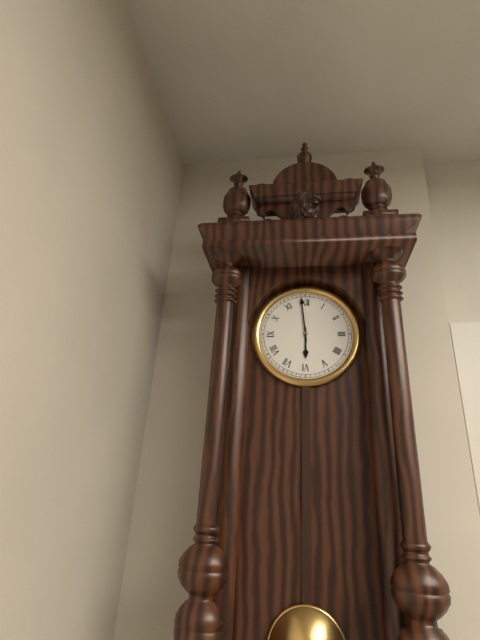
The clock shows **5:59**
